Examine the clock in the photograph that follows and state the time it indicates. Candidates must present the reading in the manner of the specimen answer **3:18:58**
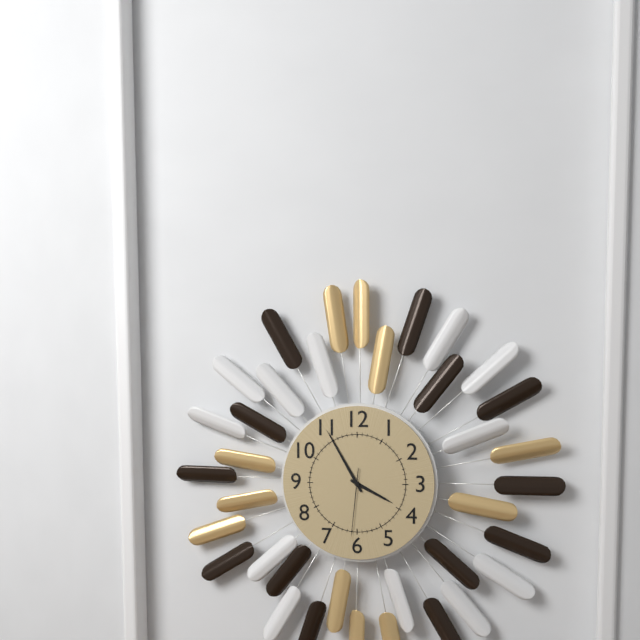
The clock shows **3:55:31**
